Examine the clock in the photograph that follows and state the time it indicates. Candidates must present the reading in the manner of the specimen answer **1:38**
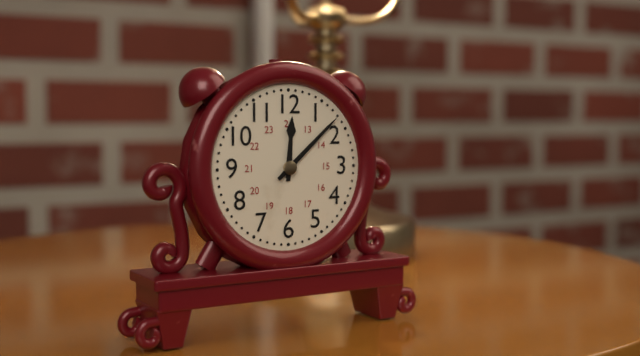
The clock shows **12:08**
